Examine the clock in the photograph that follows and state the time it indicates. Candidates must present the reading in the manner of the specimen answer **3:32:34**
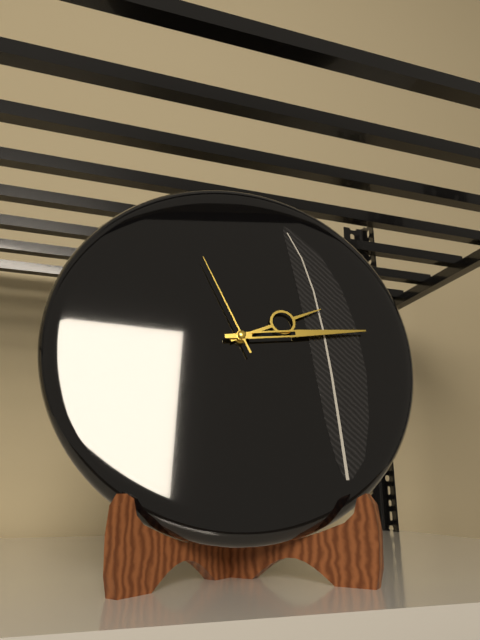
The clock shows **2:14:56**
